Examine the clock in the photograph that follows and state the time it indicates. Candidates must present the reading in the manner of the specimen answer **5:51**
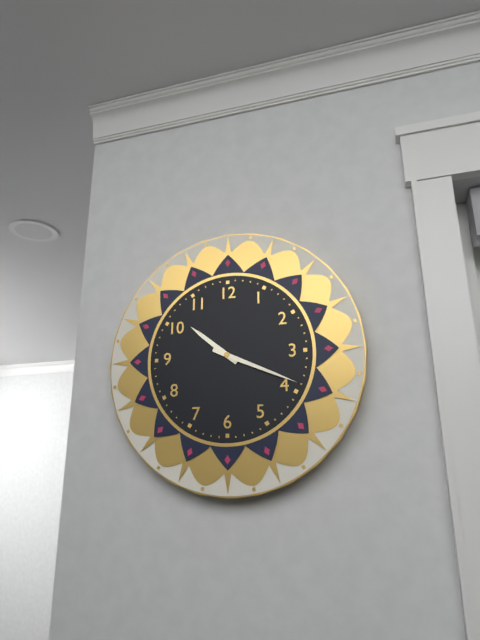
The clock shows **10:19**
